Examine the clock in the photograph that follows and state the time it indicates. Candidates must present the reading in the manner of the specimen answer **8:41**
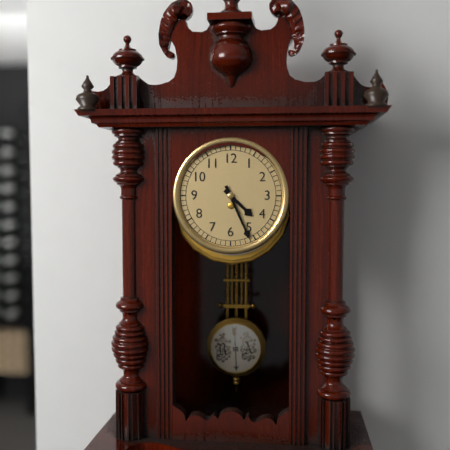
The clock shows **4:26**
